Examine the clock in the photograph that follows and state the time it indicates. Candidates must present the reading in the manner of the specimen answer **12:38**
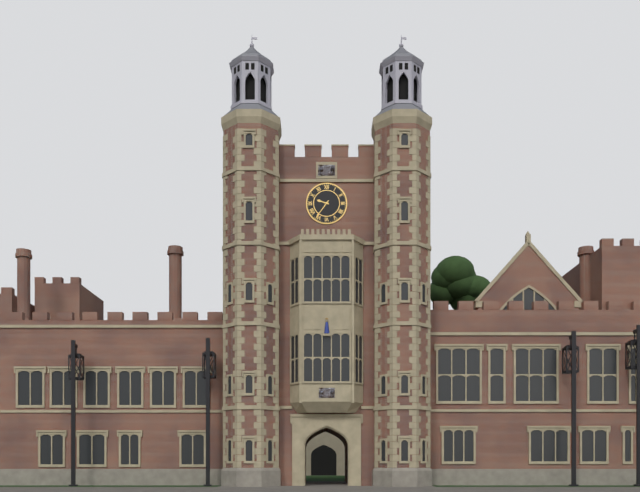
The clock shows **9:36**
